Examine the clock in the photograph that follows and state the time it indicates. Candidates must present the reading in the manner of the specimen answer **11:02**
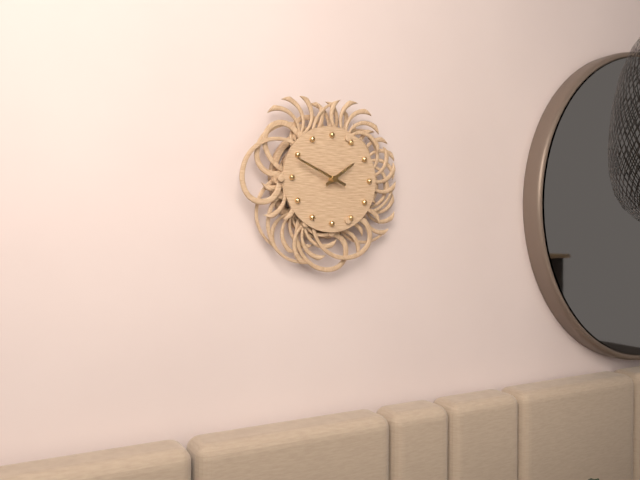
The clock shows **1:49**
